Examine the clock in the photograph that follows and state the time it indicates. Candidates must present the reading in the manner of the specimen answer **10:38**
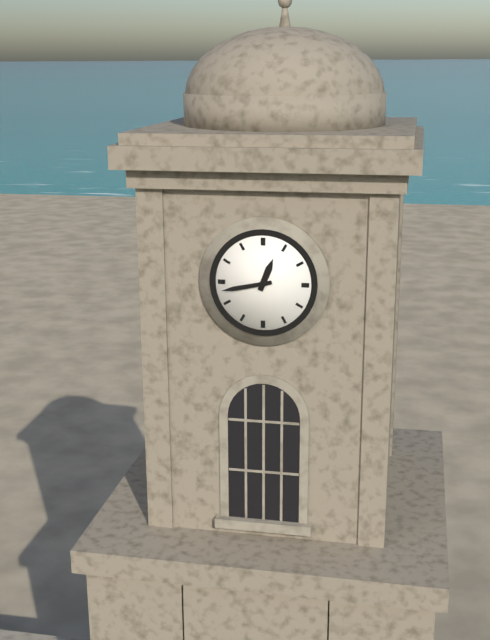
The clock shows **12:43**
